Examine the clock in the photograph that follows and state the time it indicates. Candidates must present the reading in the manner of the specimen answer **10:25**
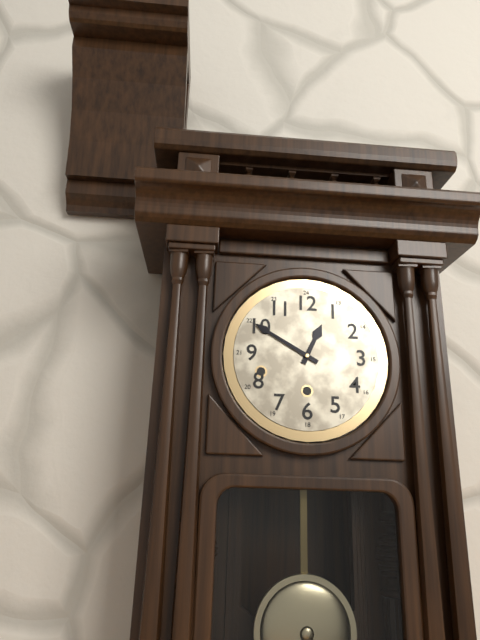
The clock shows **12:50**
